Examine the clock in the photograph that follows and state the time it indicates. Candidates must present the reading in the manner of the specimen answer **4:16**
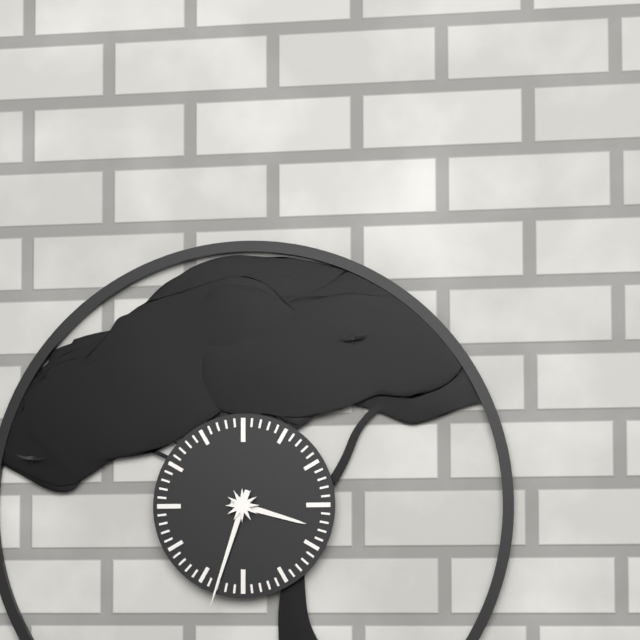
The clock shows **3:33**
